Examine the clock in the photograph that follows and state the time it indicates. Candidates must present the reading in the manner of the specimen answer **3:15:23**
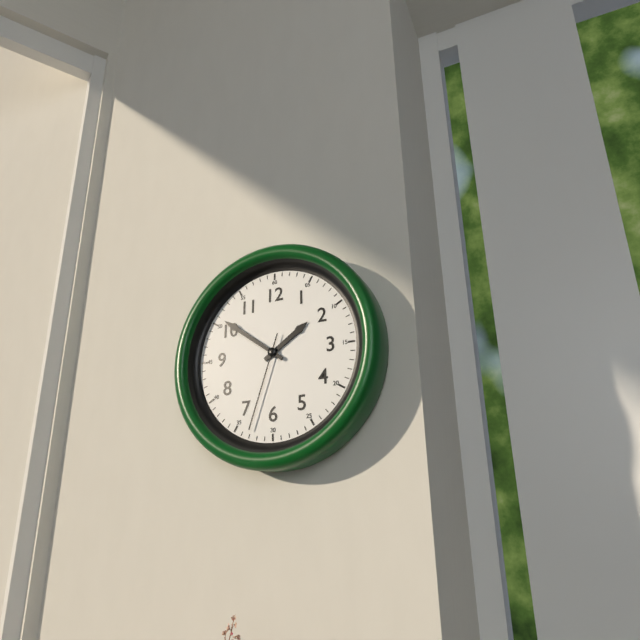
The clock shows **1:51:33**
